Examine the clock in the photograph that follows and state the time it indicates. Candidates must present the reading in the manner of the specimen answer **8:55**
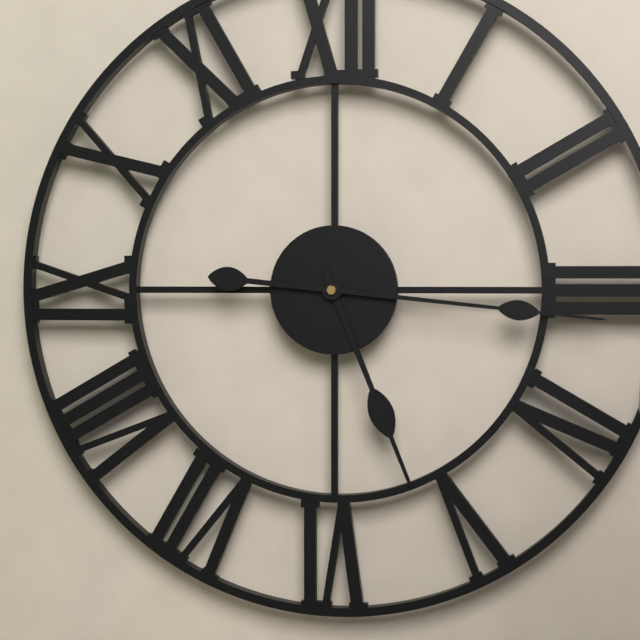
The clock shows **5:16**
